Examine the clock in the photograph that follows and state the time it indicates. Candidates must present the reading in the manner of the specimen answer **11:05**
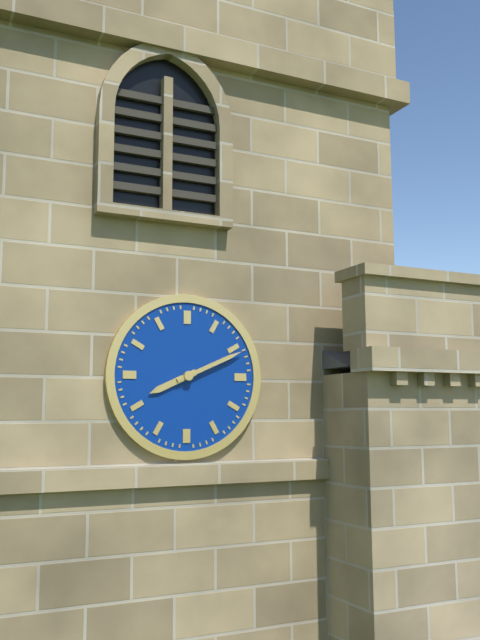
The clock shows **8:11**
